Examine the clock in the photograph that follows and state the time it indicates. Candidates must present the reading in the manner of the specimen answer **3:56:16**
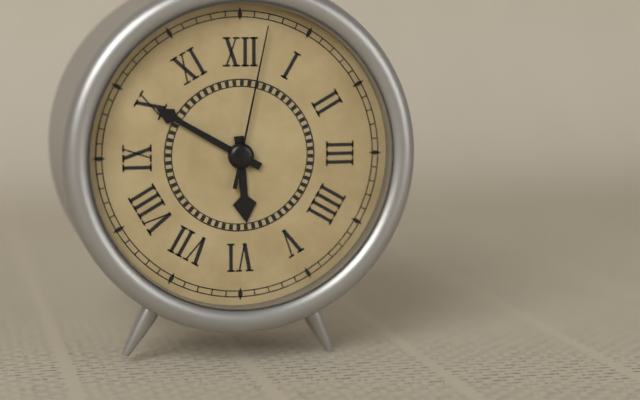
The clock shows **5:50:02**
